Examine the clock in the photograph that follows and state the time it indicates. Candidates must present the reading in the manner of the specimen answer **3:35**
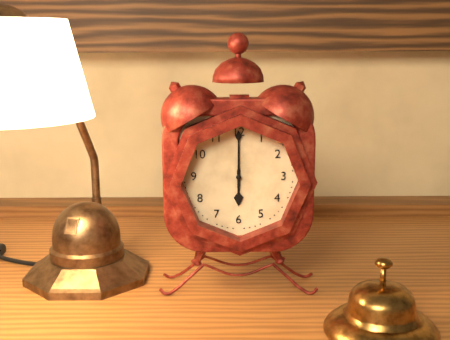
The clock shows **6:00**
